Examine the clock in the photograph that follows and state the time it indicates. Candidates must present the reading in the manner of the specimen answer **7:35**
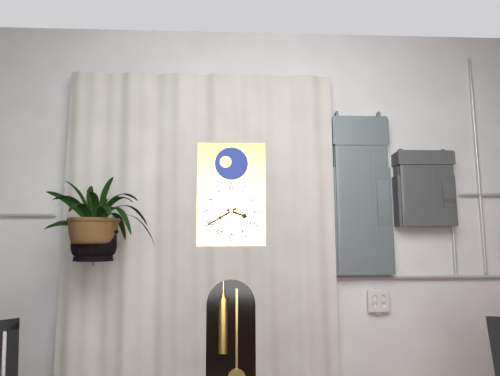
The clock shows **3:40**
